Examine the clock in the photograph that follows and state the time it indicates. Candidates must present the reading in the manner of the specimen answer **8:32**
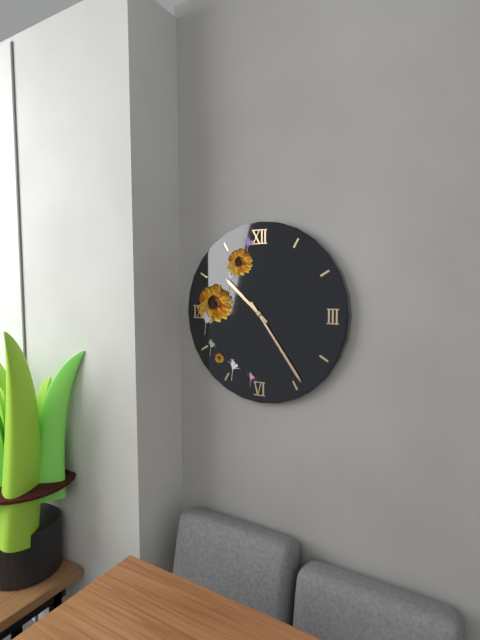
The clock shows **10:24**
